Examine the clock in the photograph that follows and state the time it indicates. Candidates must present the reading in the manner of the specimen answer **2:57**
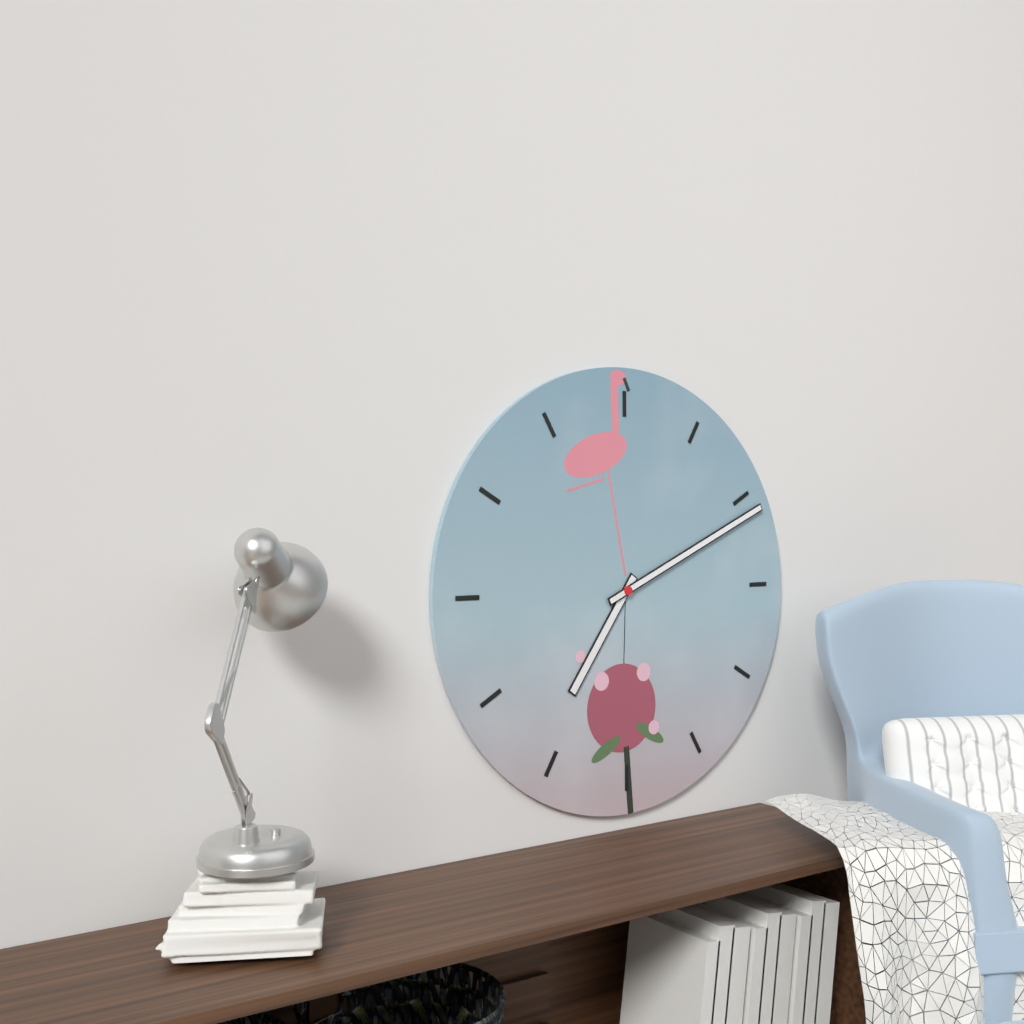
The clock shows **7:11**
